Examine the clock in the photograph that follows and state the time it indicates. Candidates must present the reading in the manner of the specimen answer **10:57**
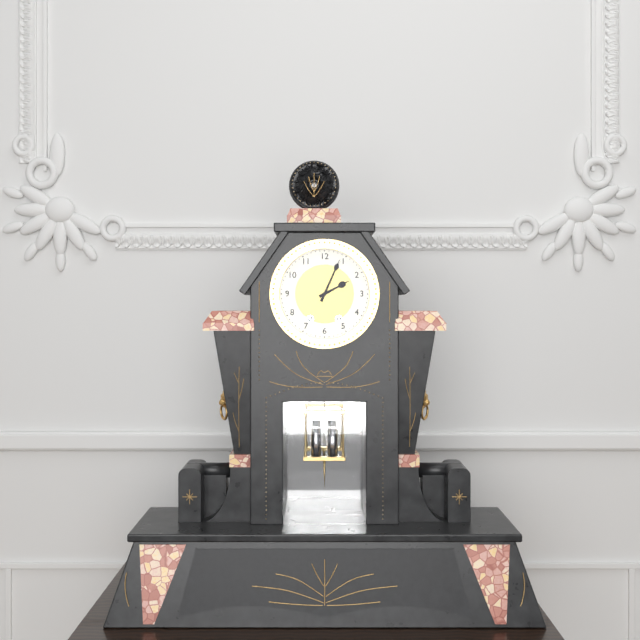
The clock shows **2:04**
